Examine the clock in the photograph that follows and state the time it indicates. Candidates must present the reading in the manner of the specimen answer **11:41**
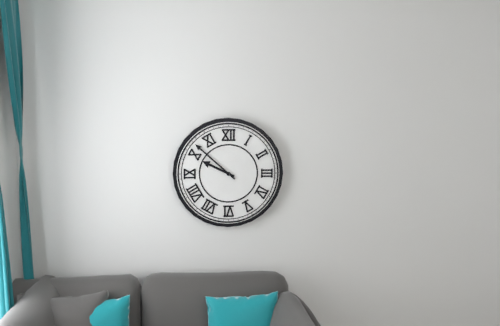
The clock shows **9:52**
